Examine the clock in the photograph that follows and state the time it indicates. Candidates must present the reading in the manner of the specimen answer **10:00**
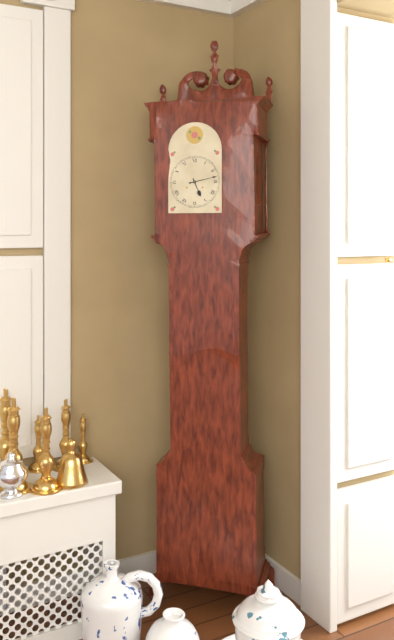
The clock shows **5:13**
